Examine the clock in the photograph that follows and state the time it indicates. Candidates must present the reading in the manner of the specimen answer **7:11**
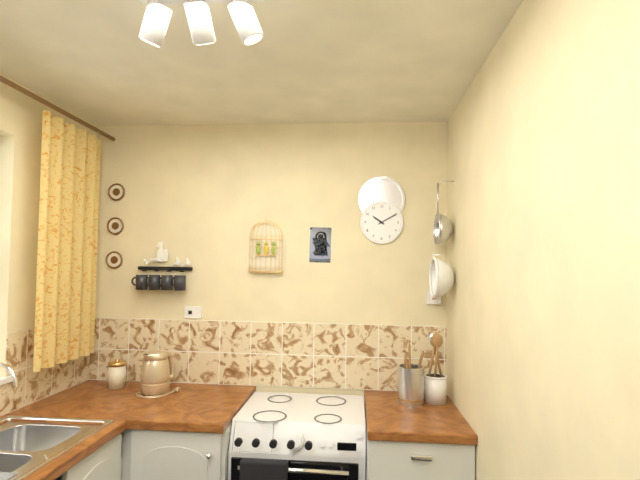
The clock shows **10:10**
